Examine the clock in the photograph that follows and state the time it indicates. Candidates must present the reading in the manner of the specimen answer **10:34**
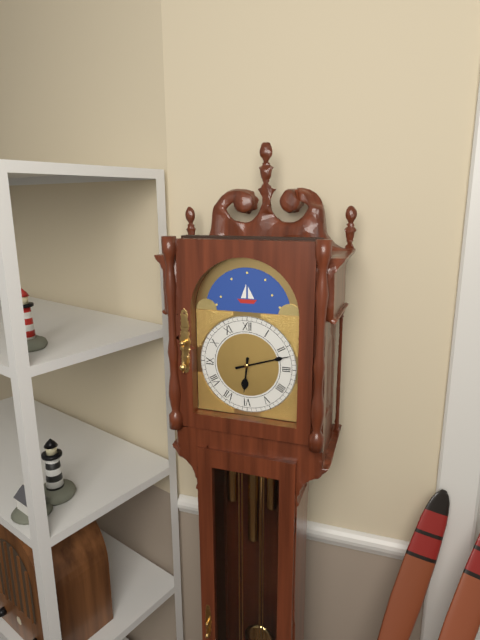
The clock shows **6:12**
